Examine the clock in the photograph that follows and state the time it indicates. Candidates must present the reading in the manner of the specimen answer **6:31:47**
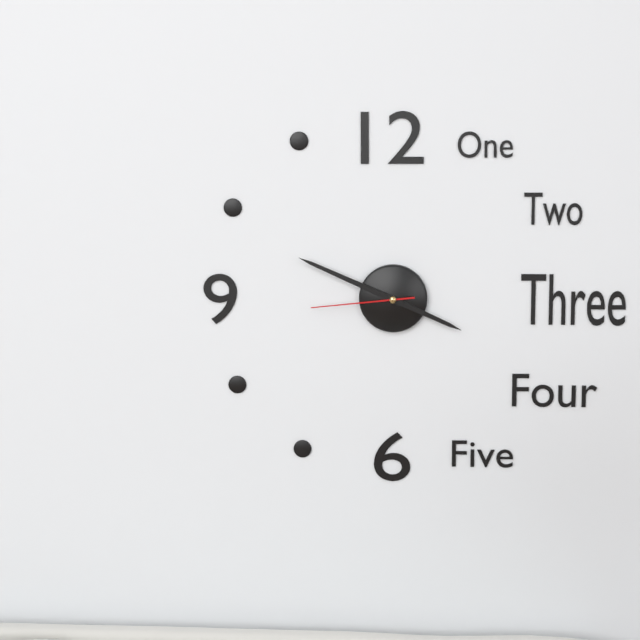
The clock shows **3:49:44**
